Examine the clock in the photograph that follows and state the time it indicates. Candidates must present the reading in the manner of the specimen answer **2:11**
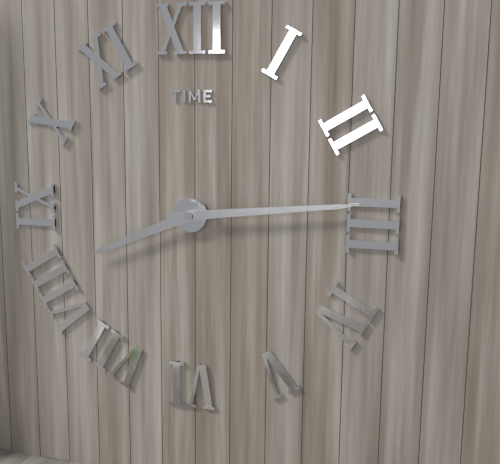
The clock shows **8:14**
